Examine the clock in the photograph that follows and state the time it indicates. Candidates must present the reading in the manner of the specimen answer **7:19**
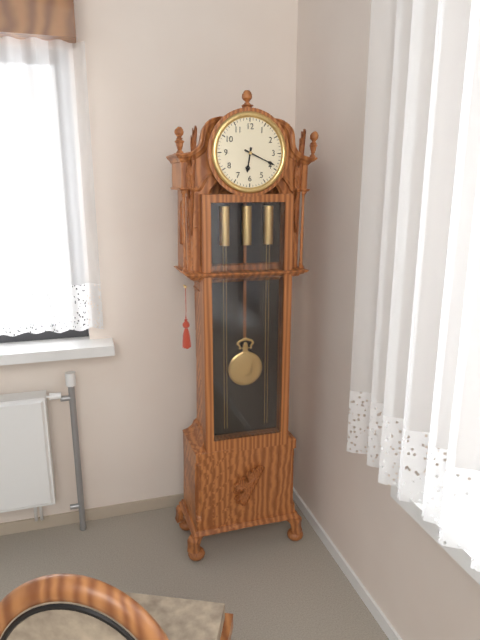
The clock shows **6:19**
